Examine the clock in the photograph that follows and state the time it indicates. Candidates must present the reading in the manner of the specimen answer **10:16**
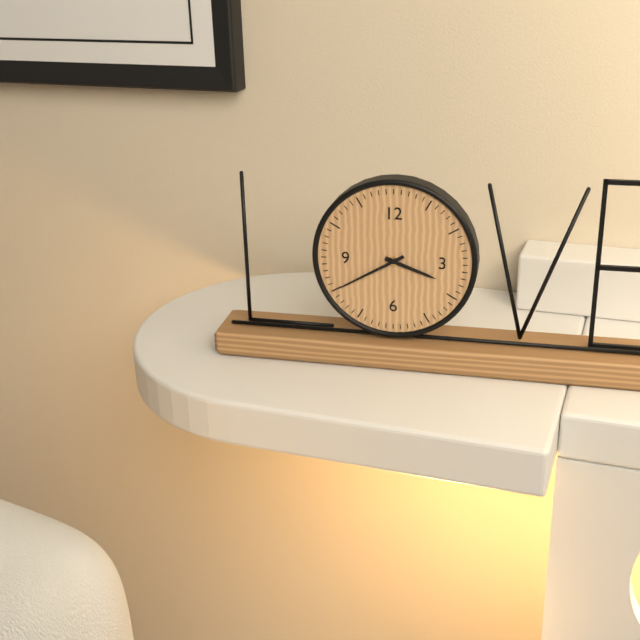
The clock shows **3:40**
